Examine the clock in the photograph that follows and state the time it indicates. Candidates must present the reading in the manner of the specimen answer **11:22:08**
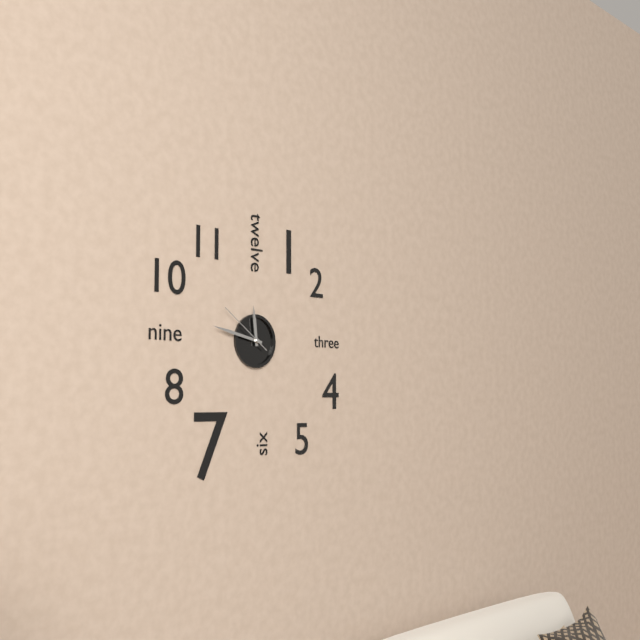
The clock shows **11:47:51**
